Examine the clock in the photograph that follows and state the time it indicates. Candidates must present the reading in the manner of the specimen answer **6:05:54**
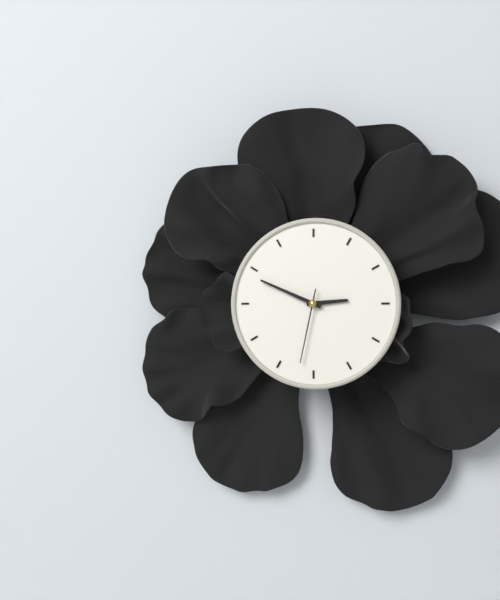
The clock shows **2:49:32**
